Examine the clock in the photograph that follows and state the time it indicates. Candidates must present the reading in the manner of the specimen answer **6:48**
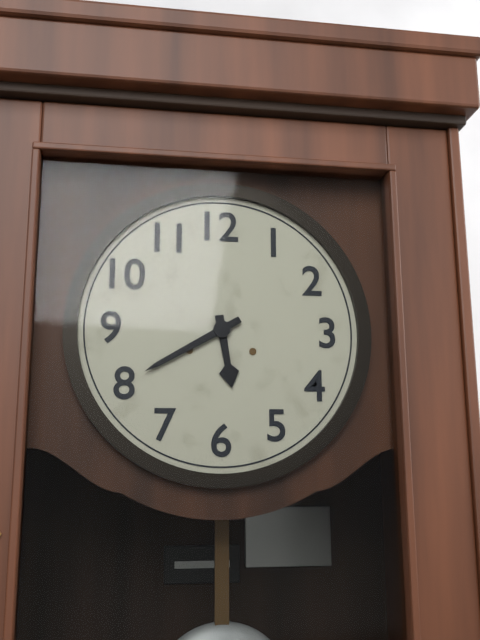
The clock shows **5:40**
